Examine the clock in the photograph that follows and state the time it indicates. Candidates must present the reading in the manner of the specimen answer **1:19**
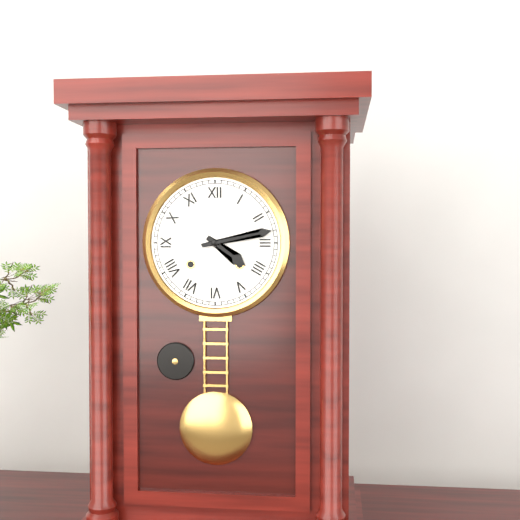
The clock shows **4:13**
